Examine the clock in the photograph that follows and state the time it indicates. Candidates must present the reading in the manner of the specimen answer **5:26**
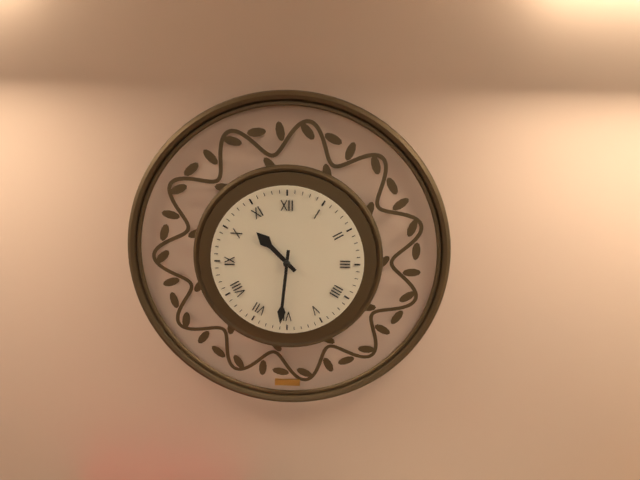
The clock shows **10:31**
